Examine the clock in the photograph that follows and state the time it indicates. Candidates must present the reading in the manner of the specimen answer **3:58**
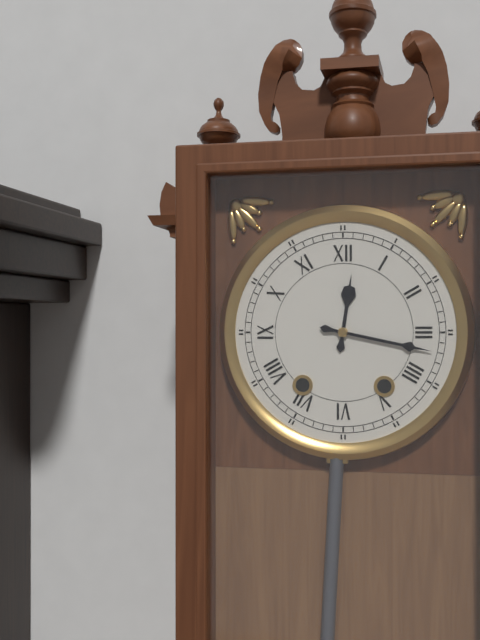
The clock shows **12:17**
